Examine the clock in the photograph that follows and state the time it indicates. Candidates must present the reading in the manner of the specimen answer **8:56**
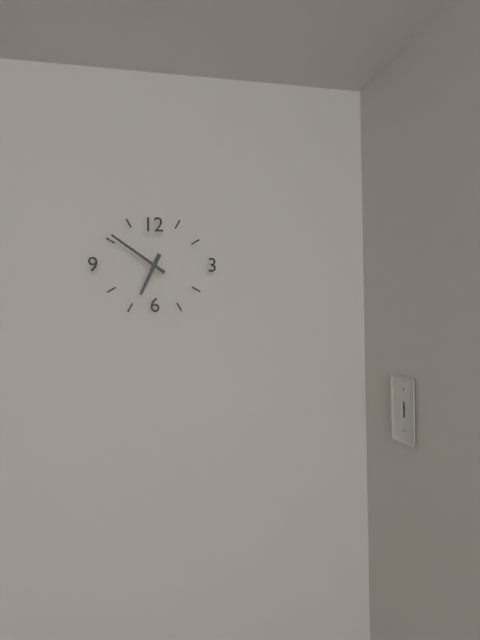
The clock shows **6:51**
